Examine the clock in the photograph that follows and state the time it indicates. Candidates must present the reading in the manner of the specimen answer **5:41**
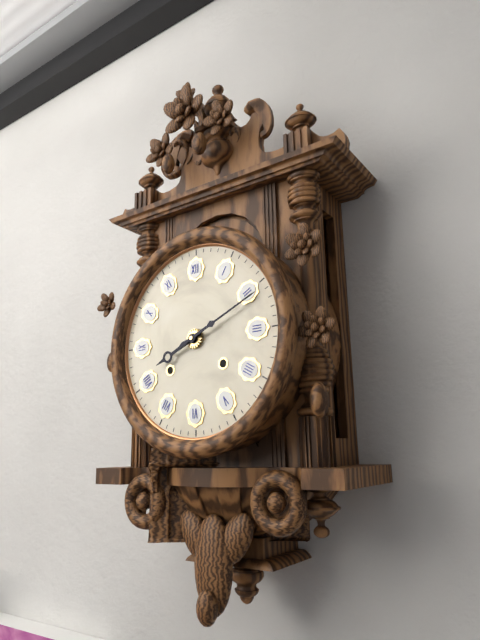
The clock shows **8:11**
